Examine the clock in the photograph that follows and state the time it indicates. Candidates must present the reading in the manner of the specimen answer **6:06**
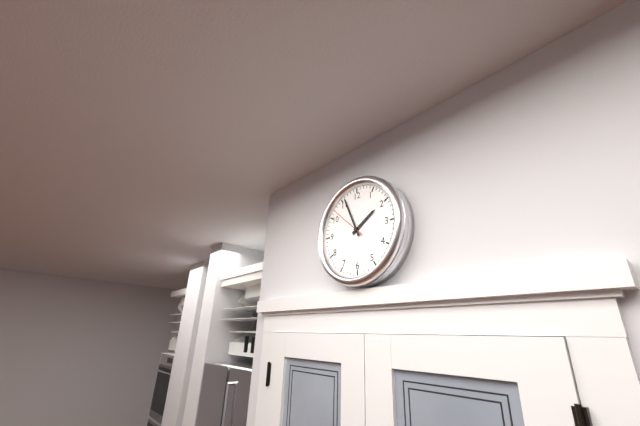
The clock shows **1:56**
